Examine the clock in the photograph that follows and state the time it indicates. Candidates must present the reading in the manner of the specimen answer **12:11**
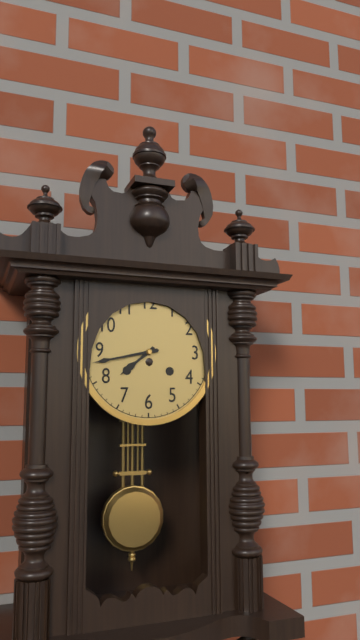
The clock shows **7:43**
